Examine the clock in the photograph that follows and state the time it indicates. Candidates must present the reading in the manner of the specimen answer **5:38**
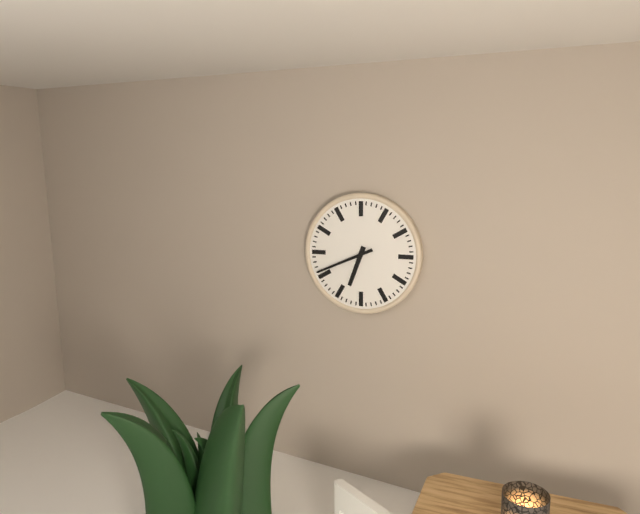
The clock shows **6:41**
